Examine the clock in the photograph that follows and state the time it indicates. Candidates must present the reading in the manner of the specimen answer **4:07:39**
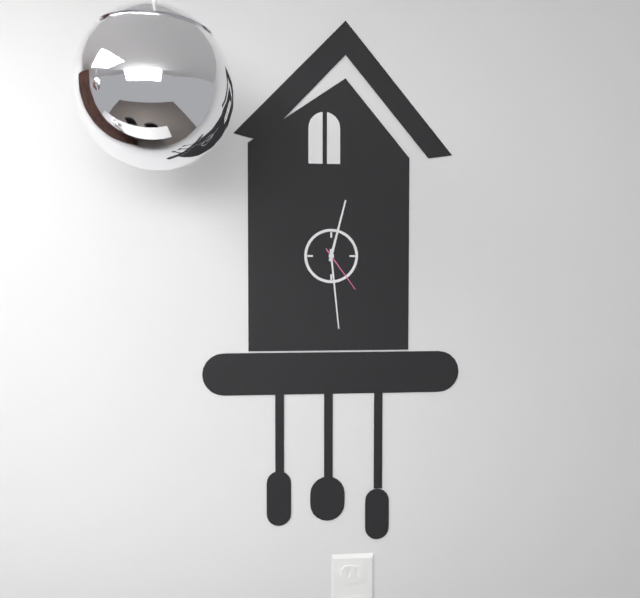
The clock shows **12:29:24**
